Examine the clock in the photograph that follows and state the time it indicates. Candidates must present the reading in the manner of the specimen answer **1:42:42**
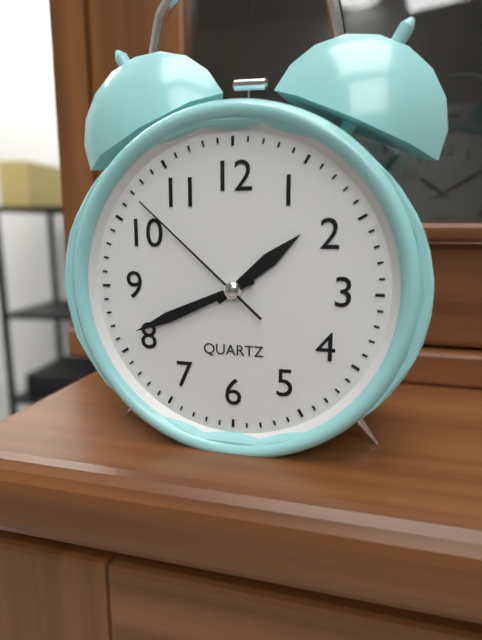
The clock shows **1:41:52**
